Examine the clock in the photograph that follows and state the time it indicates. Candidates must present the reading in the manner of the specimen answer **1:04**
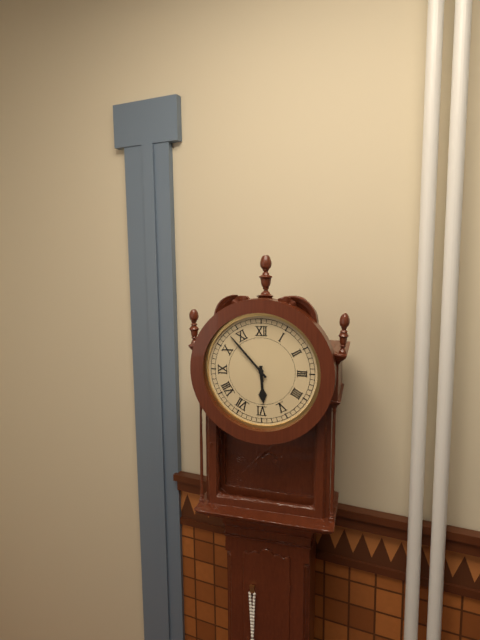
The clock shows **5:53**
